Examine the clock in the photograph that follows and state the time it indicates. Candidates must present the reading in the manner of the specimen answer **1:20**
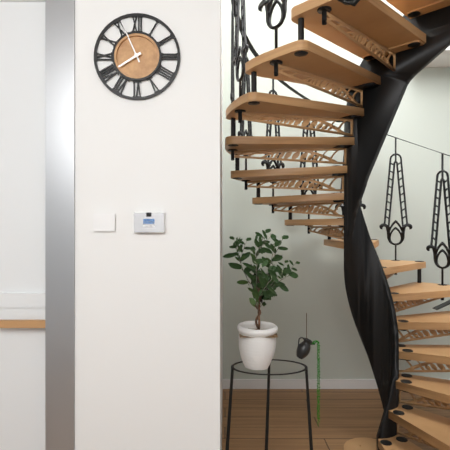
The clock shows **7:56**
